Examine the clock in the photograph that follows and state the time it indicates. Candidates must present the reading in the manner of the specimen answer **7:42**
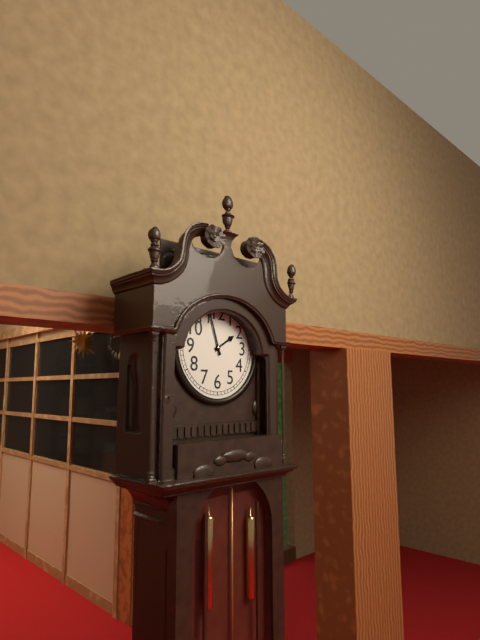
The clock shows **1:57**
